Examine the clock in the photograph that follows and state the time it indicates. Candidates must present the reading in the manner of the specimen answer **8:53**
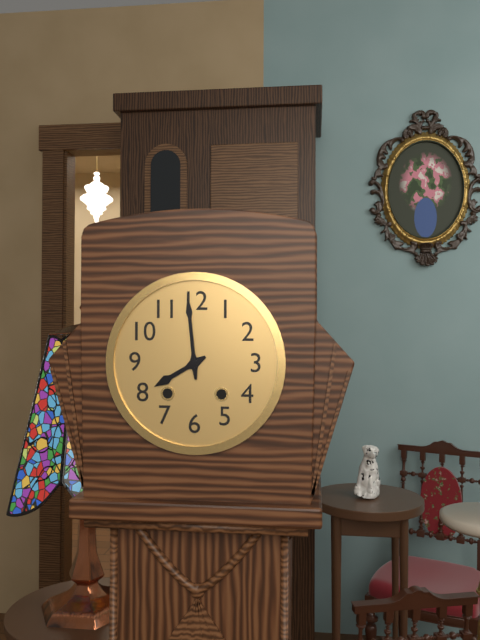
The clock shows **7:59**
